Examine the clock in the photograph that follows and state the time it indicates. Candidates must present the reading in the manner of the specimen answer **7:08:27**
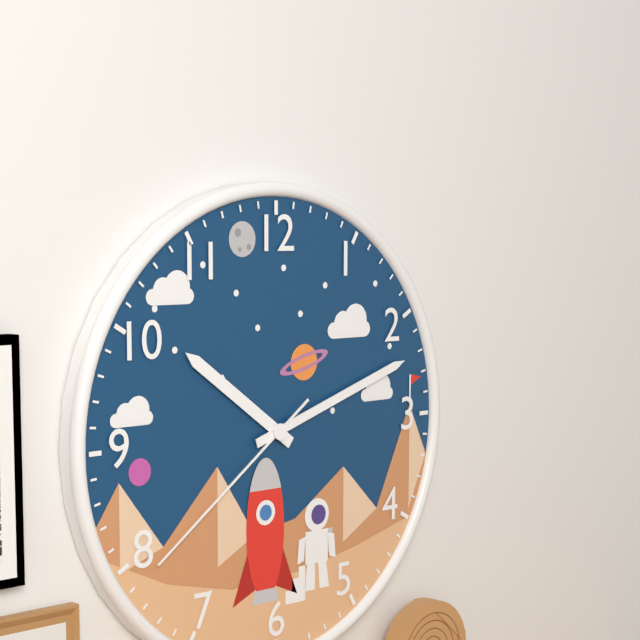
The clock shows **10:12:39**
